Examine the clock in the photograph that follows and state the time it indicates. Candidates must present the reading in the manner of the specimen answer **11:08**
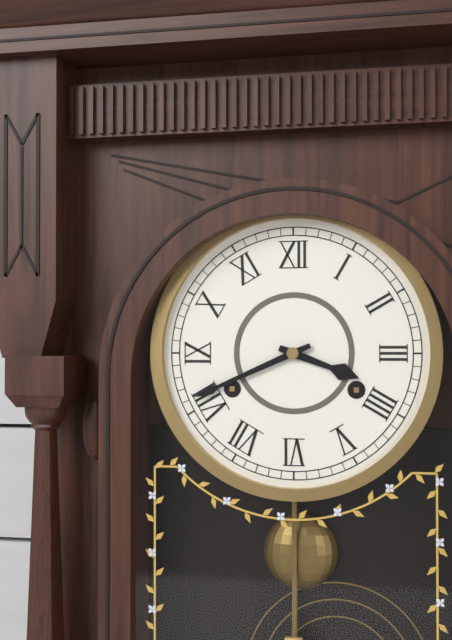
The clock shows **3:41**
